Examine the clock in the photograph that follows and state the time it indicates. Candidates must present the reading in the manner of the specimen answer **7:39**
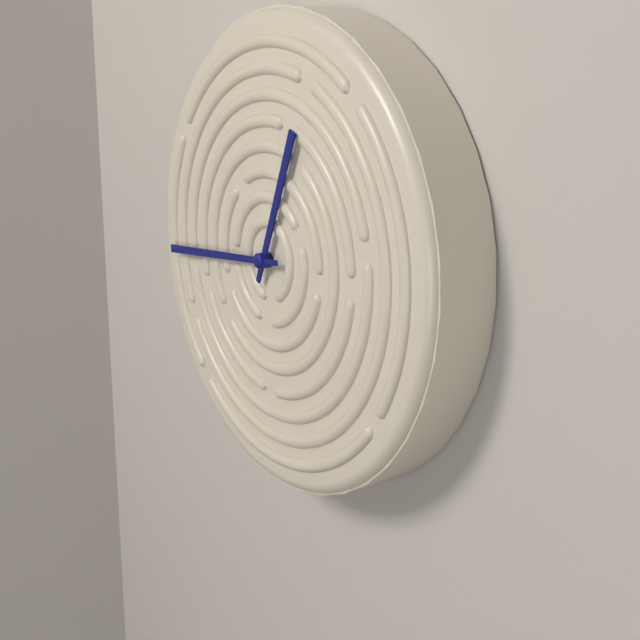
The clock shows **12:44**
